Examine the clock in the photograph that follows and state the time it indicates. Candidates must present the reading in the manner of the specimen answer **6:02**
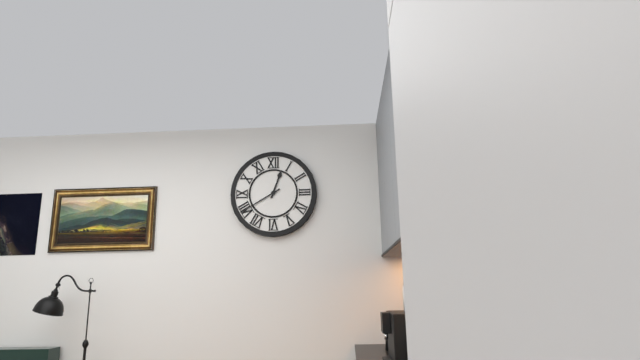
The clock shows **12:40**
